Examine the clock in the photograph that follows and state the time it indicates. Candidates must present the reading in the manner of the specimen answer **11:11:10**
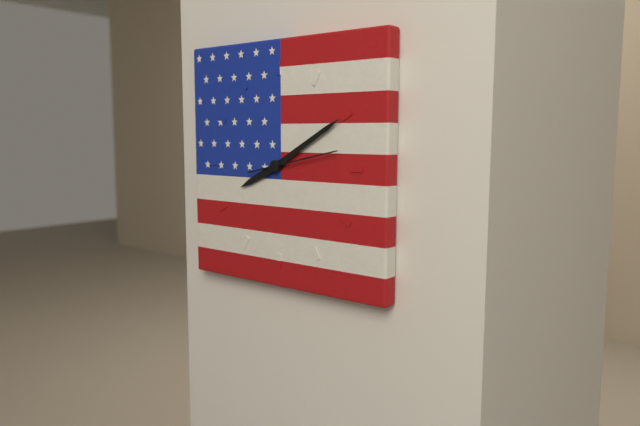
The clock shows **8:10:13**
